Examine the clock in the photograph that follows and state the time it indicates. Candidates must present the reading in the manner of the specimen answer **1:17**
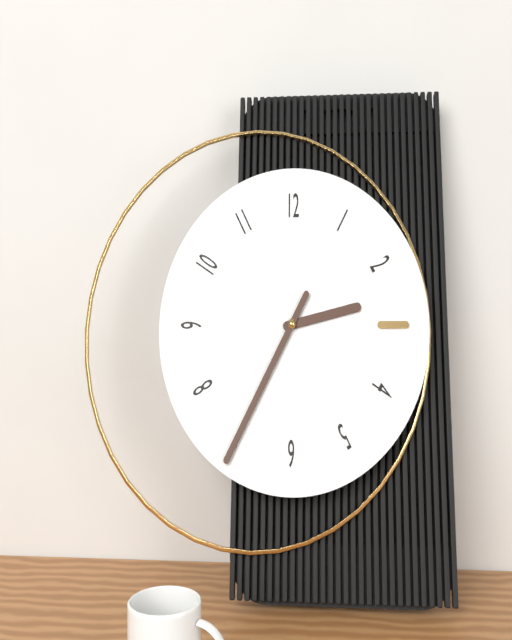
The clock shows **2:35**
